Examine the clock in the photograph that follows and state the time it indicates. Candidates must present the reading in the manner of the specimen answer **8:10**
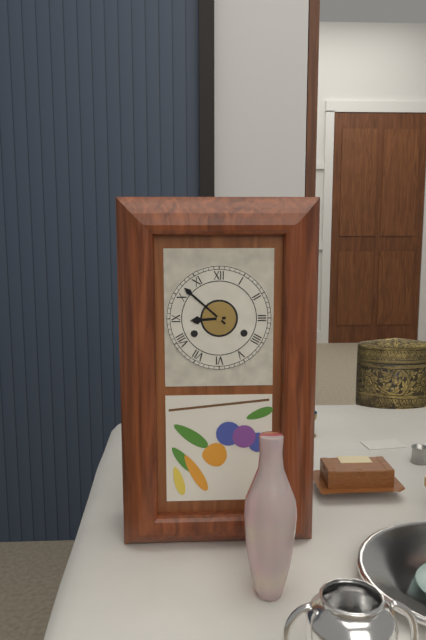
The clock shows **8:52**
